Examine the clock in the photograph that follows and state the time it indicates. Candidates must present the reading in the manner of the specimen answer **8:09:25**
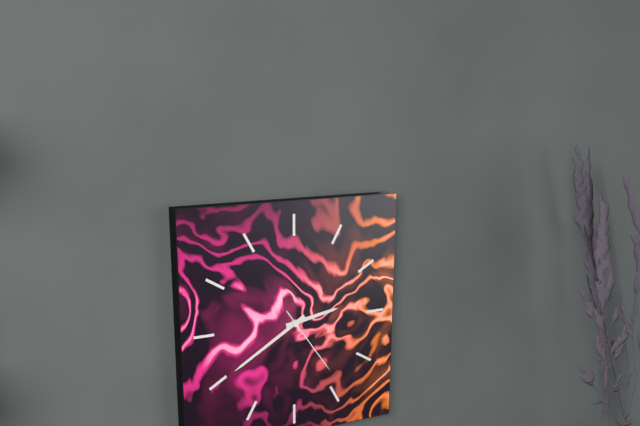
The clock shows **2:40:24**
